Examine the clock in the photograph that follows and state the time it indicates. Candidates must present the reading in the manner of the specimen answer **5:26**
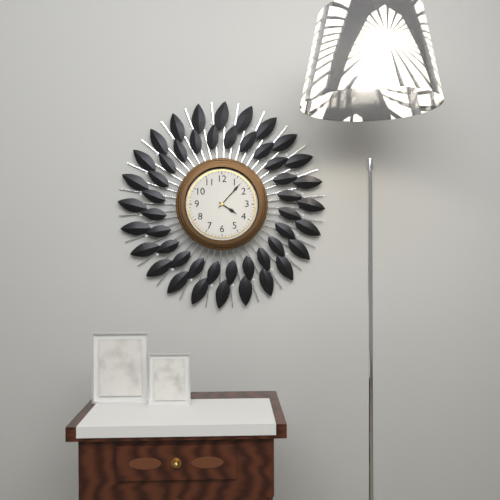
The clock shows **4:07**
